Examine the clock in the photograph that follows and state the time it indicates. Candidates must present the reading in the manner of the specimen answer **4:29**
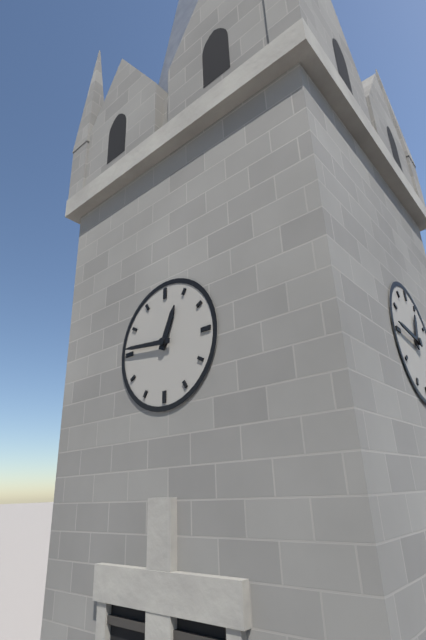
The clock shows **12:46**
